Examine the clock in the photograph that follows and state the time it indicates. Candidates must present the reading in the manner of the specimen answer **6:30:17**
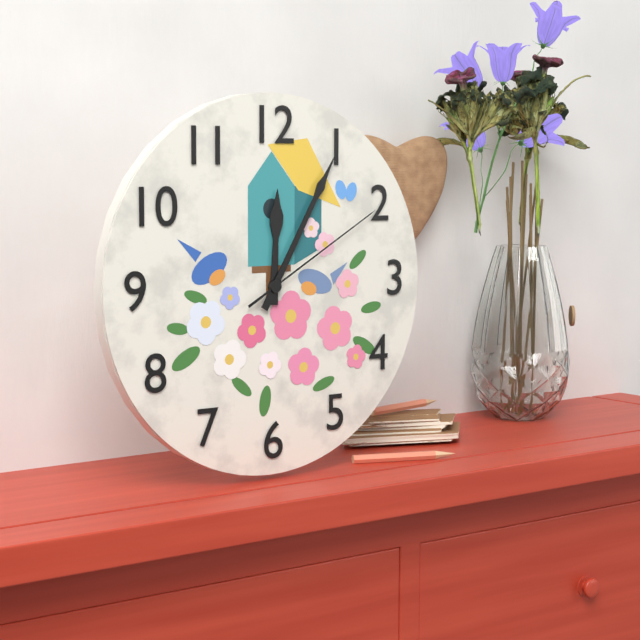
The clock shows **12:05:10**
